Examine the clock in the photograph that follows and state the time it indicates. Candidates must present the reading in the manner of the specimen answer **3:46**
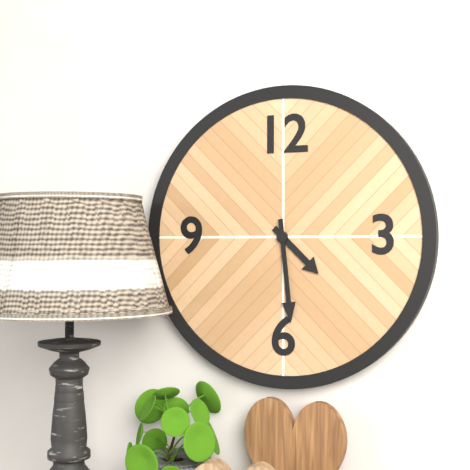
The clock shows **4:29**
